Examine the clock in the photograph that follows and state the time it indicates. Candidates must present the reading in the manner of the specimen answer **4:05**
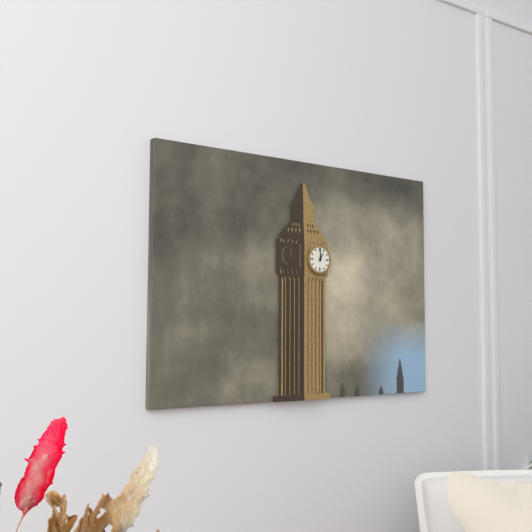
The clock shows **1:00**
